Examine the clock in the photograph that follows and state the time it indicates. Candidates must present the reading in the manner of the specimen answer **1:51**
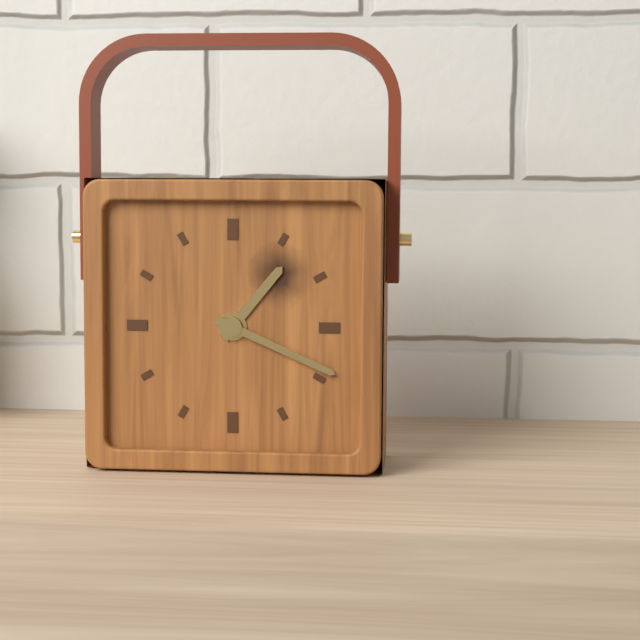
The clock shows **1:19**
